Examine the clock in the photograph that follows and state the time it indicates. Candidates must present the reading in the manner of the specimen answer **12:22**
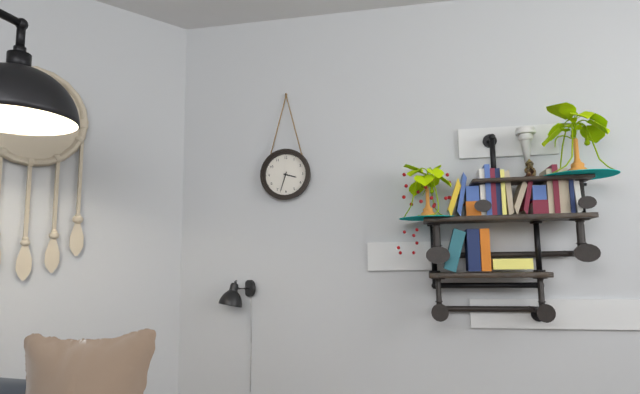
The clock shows **3:33**
